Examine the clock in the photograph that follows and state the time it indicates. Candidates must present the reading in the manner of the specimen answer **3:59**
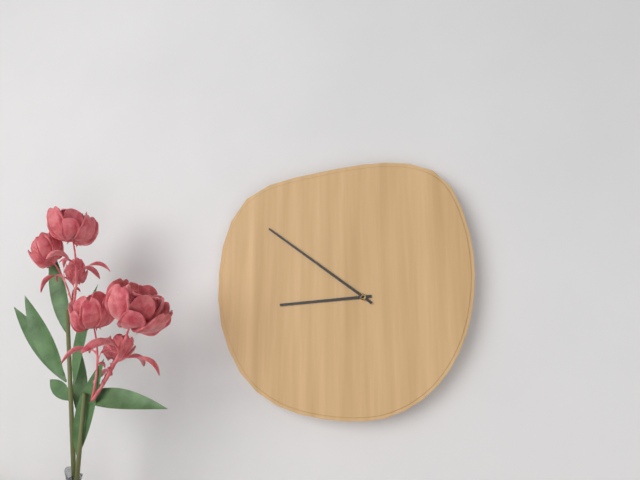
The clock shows **8:51**
